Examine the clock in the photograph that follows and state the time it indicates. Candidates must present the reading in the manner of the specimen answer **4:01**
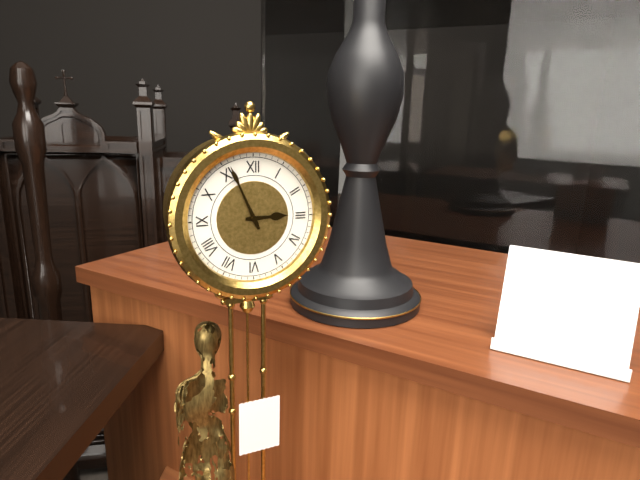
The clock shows **2:56**
